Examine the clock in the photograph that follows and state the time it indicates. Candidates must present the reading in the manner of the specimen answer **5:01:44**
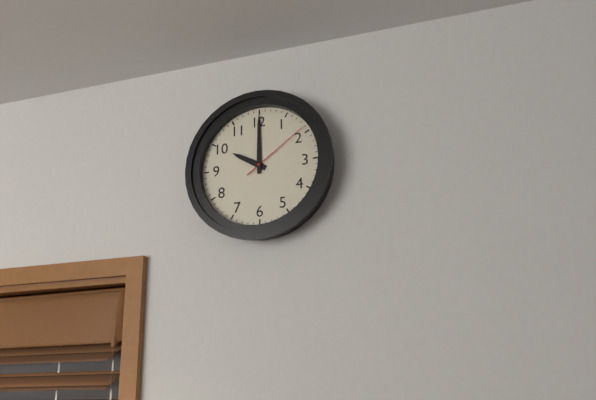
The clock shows **10:00:09**
